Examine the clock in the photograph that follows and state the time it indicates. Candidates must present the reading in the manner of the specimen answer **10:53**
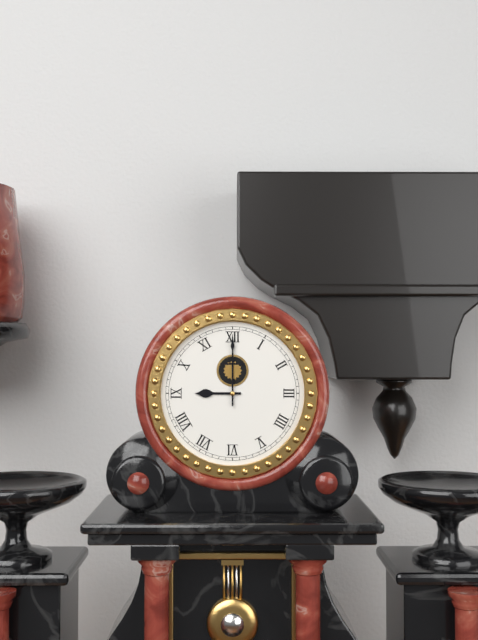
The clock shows **9:00**
